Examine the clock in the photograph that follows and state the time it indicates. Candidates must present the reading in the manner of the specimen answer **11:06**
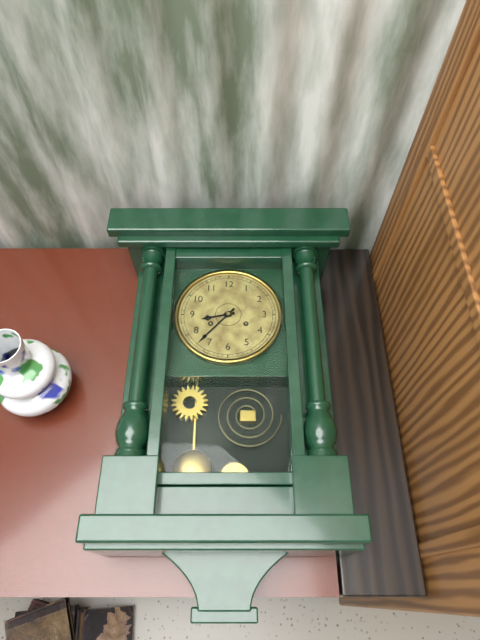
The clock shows **8:37**
